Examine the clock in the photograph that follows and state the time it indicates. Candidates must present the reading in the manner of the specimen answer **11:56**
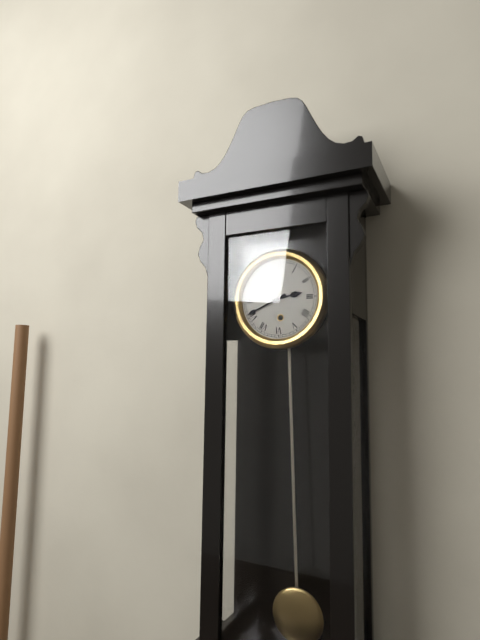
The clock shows **2:41**
